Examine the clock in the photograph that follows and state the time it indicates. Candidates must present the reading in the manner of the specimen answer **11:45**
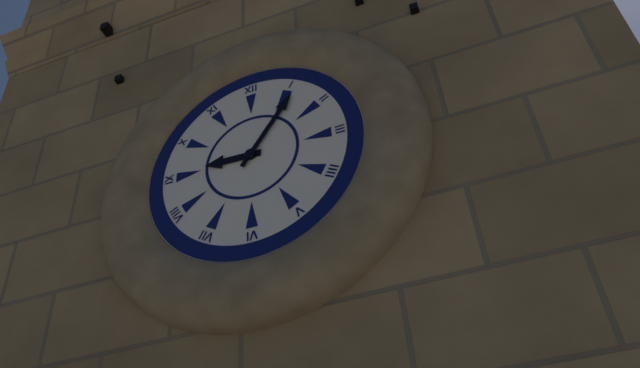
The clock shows **9:06**
